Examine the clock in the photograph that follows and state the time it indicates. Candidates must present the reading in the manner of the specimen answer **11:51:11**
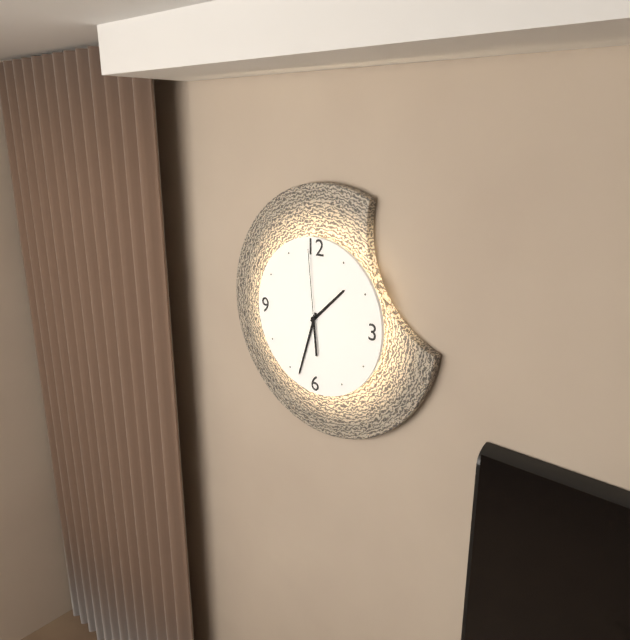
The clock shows **1:33:59**
